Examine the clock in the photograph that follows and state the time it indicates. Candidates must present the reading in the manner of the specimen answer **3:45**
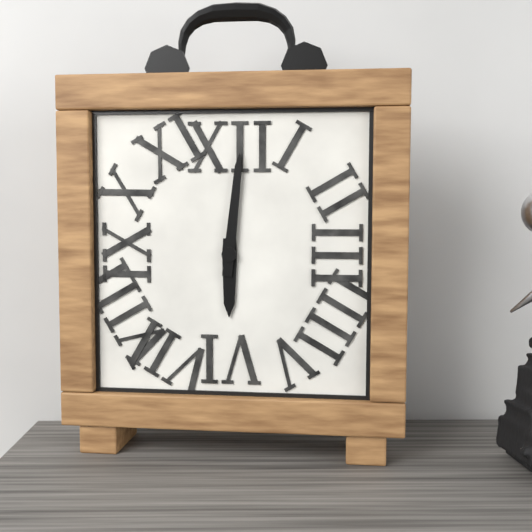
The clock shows **6:01**
